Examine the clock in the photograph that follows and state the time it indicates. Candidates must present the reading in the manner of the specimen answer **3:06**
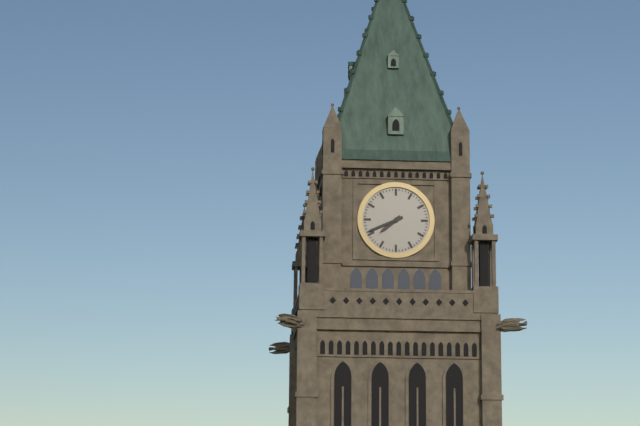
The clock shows **7:41**
